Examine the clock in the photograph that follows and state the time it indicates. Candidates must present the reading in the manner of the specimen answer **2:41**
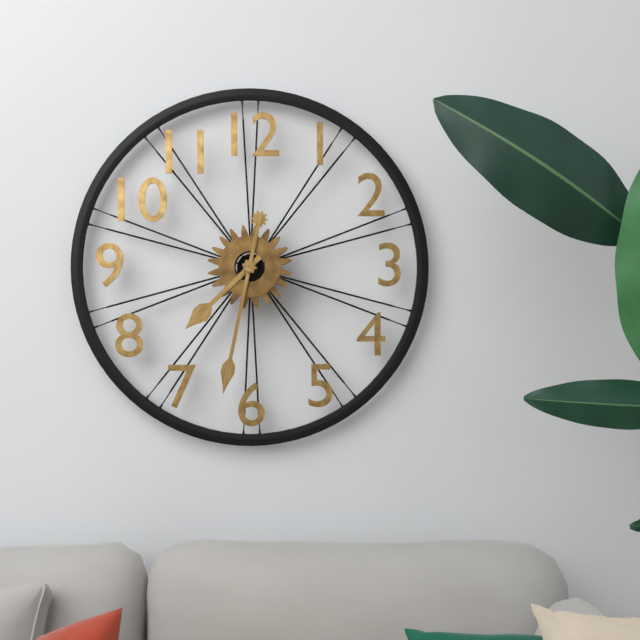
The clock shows **7:32**
